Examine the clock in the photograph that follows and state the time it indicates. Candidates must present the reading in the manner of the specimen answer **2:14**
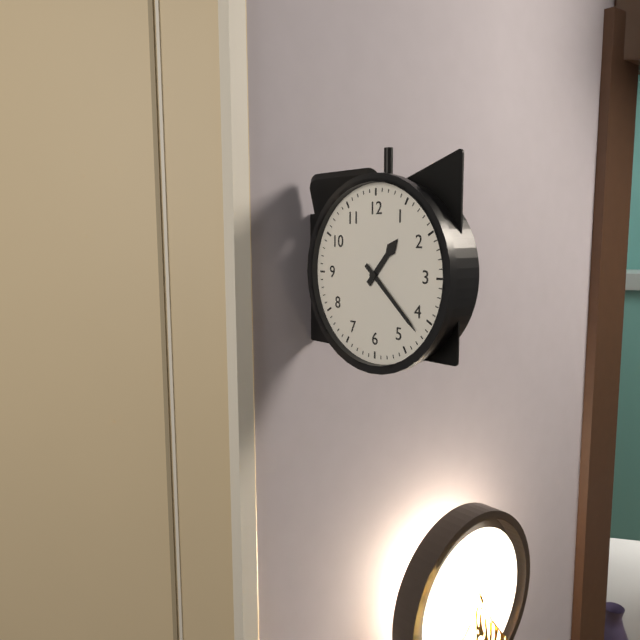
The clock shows **1:22**
